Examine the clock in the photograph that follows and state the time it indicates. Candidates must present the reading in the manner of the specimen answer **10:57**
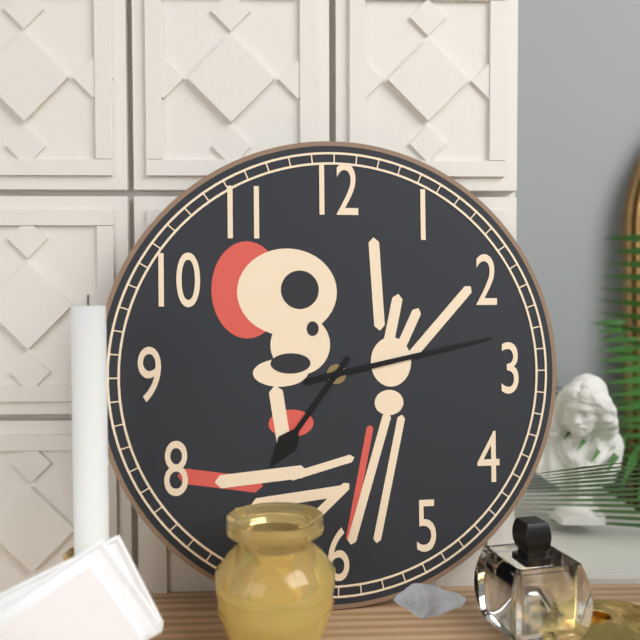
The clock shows **7:13**
